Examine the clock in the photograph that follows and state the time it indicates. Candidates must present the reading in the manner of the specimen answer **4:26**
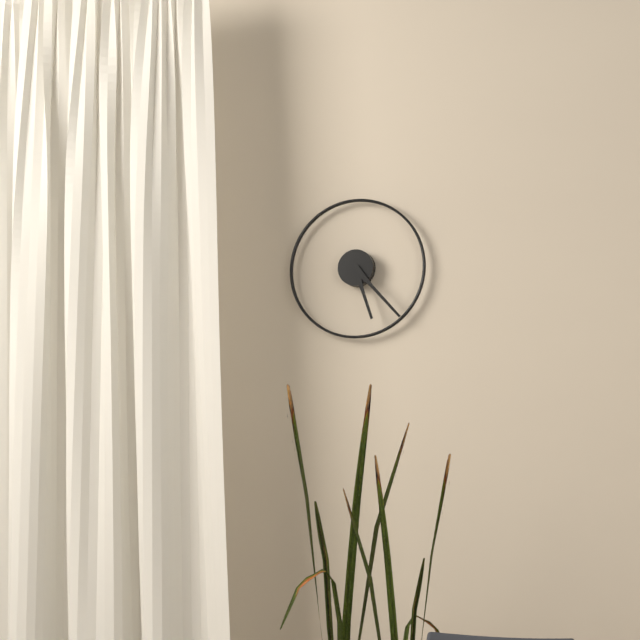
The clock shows **5:23**
